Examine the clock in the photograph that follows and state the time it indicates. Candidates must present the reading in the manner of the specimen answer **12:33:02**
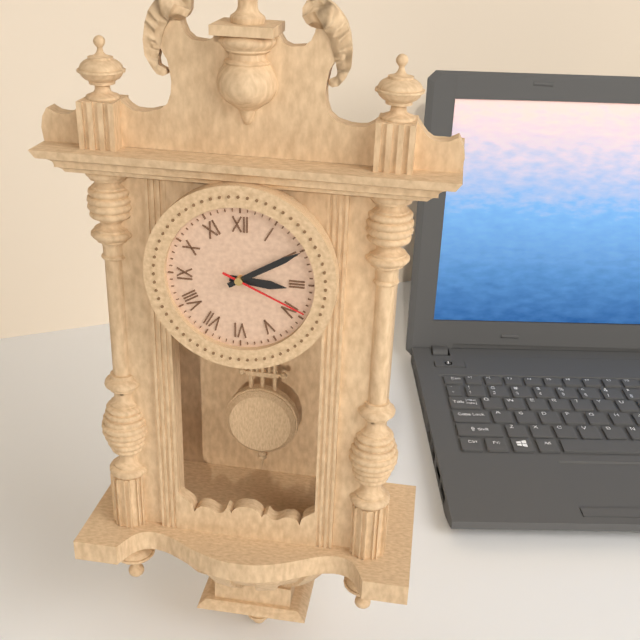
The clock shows **3:10:19**
